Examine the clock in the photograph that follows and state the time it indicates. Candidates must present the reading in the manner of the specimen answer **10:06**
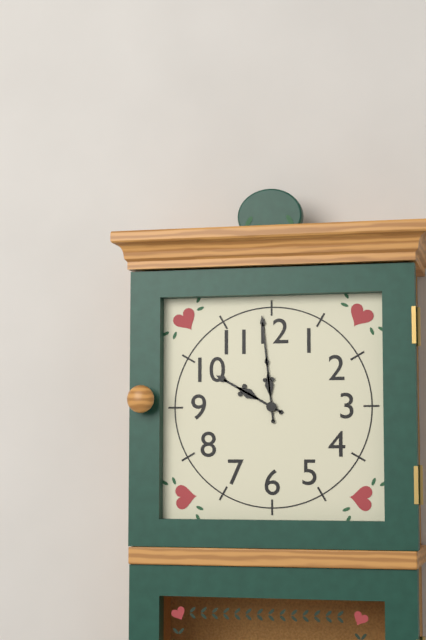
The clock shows **9:59**
